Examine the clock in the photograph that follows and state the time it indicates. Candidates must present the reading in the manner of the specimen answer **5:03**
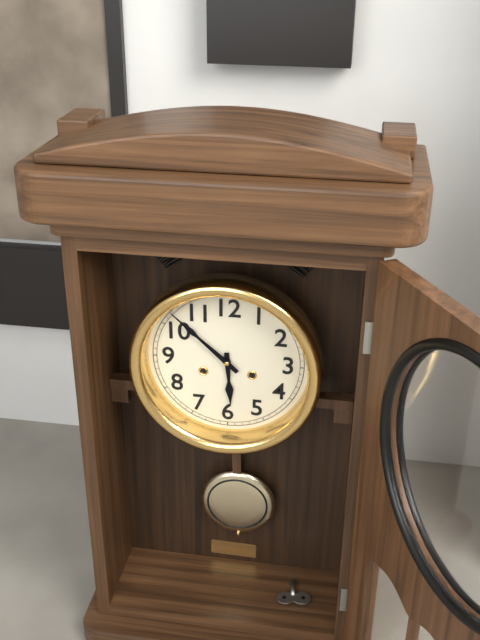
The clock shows **5:52**
